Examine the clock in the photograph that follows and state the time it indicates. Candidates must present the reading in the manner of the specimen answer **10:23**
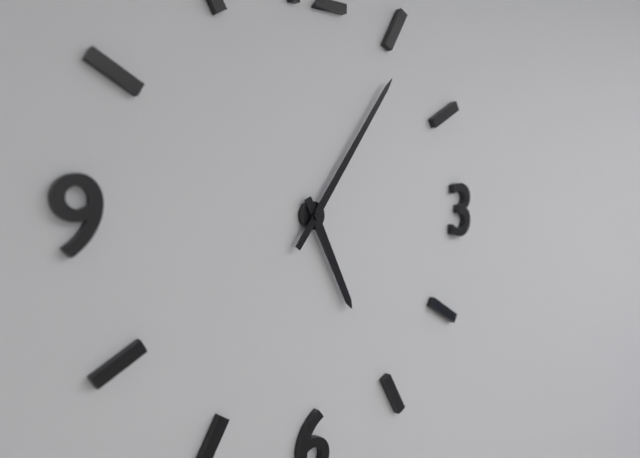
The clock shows **5:06**
